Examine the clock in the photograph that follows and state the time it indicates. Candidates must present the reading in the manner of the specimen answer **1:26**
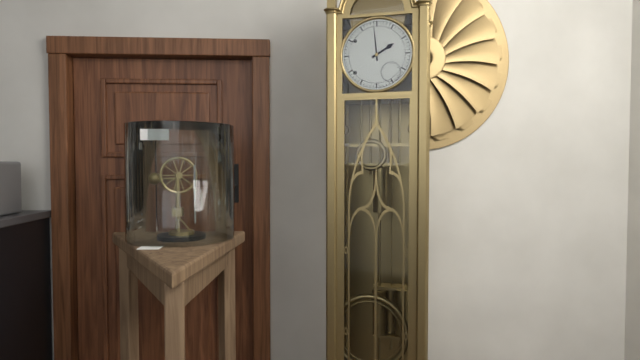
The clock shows **1:59**
